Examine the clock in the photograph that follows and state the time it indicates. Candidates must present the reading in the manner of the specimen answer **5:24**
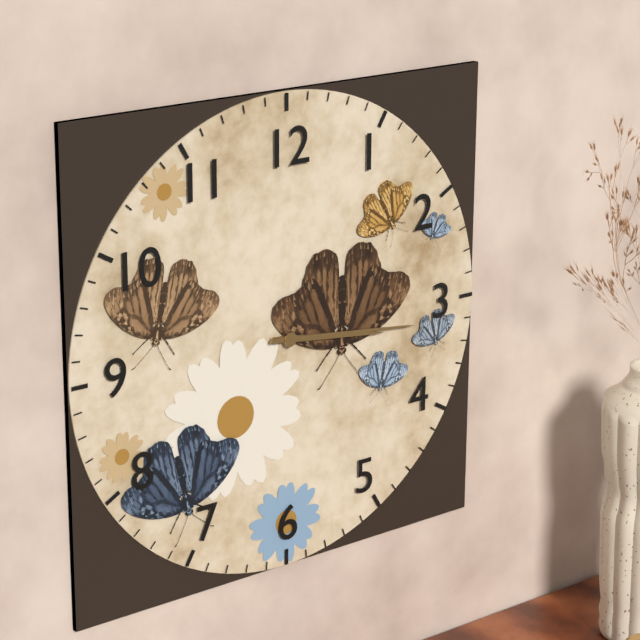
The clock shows **3:16**
